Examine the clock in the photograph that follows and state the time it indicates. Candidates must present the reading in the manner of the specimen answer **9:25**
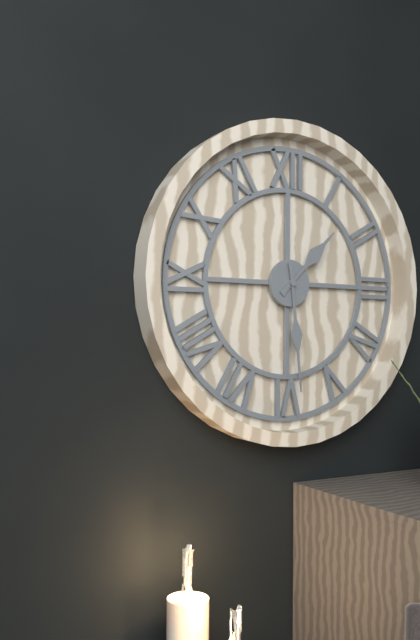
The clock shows **1:29**
